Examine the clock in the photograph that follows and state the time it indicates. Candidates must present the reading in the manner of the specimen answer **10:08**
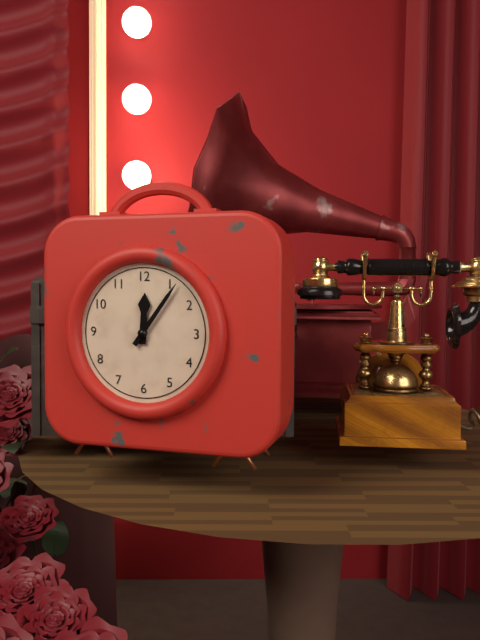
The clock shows **12:06**
